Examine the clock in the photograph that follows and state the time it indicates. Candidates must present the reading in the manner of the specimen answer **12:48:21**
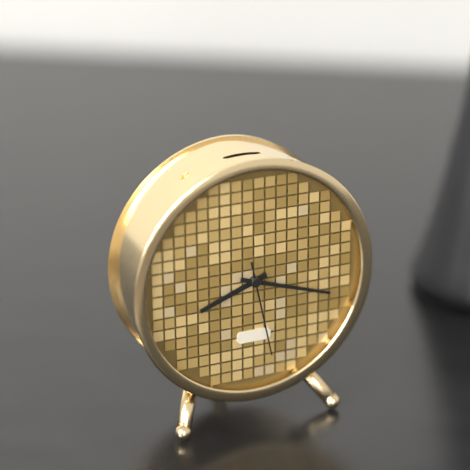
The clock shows **8:18:28**
